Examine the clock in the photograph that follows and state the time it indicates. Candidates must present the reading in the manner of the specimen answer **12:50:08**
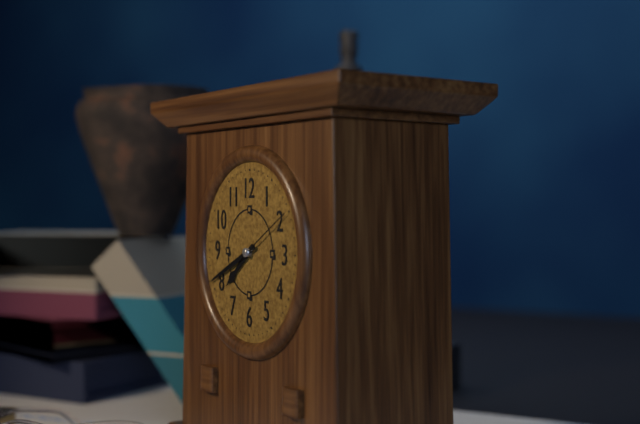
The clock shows **7:41:10**
